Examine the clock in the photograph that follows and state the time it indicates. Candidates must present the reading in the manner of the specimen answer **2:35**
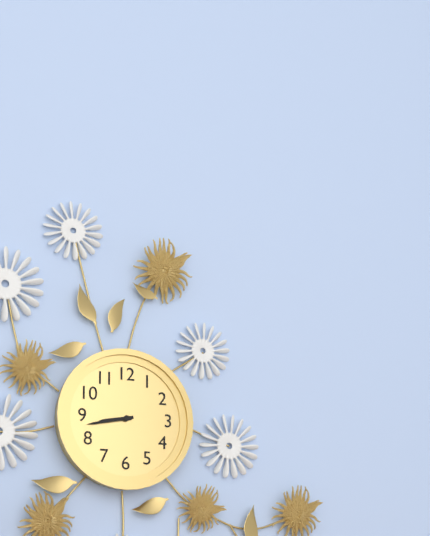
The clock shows **8:43**
